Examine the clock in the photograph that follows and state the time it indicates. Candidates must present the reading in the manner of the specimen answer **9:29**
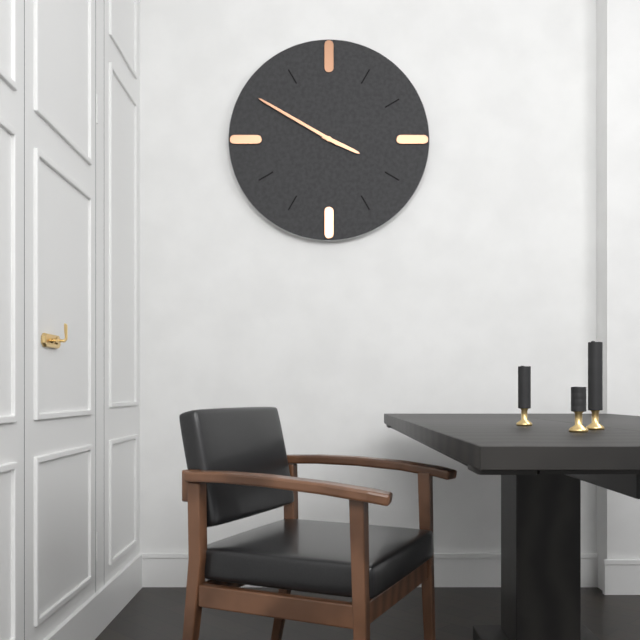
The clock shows **3:50**
